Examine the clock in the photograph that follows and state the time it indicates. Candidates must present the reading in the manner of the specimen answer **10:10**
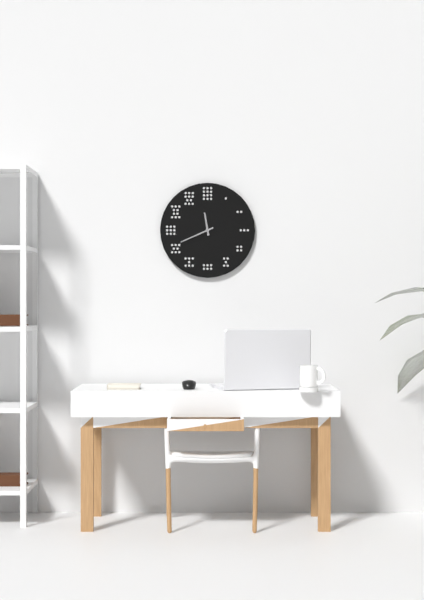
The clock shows **11:41**
